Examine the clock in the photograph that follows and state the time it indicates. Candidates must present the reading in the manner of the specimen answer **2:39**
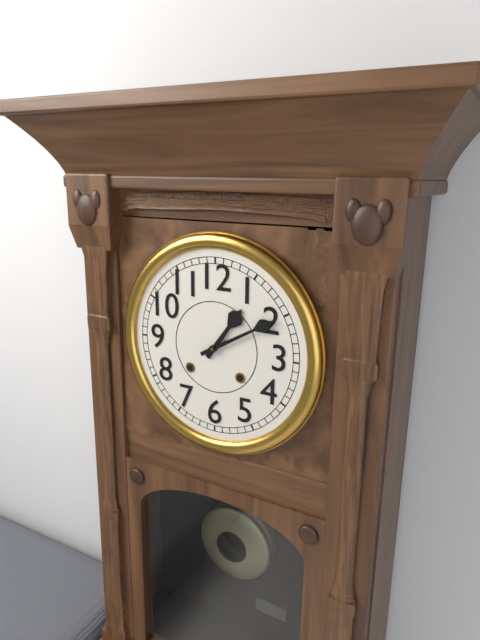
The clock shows **1:10**
